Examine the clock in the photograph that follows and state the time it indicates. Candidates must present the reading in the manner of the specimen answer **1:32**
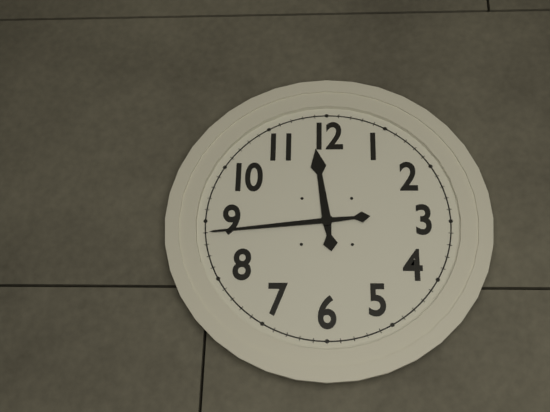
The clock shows **11:44**
